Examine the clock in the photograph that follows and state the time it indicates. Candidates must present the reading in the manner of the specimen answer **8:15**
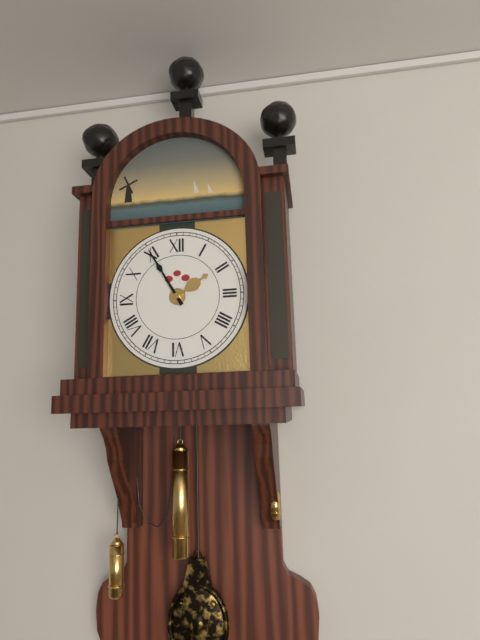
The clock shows **1:55**
